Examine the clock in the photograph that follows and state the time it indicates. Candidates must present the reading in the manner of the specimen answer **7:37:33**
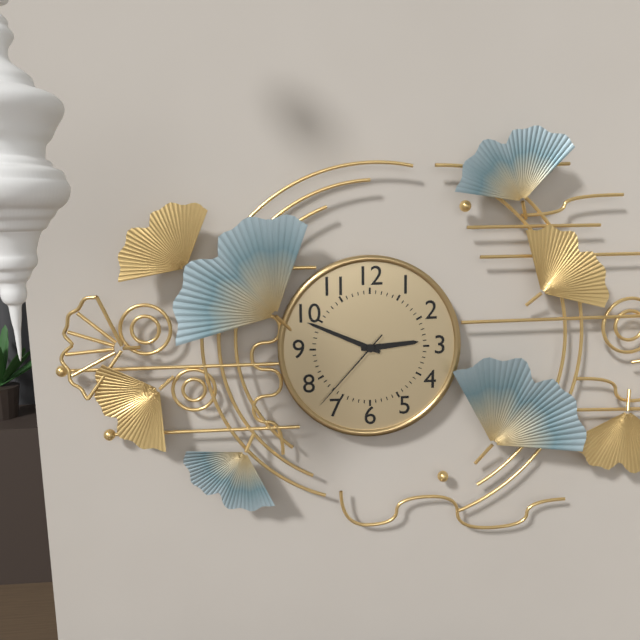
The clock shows **2:49:37**
